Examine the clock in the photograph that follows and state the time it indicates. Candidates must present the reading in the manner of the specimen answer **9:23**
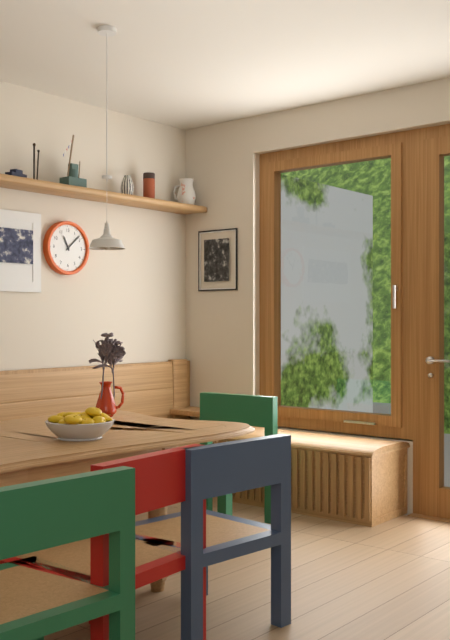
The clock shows **11:08**
